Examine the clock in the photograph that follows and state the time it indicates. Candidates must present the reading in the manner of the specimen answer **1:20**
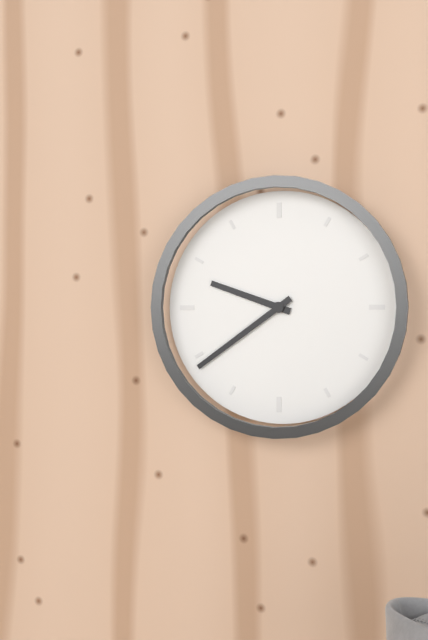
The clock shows **9:39**
